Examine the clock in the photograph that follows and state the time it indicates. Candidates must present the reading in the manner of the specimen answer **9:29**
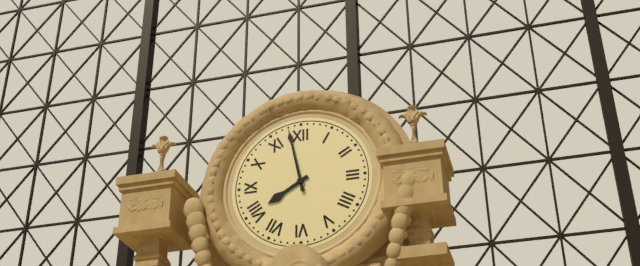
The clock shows **7:58**
